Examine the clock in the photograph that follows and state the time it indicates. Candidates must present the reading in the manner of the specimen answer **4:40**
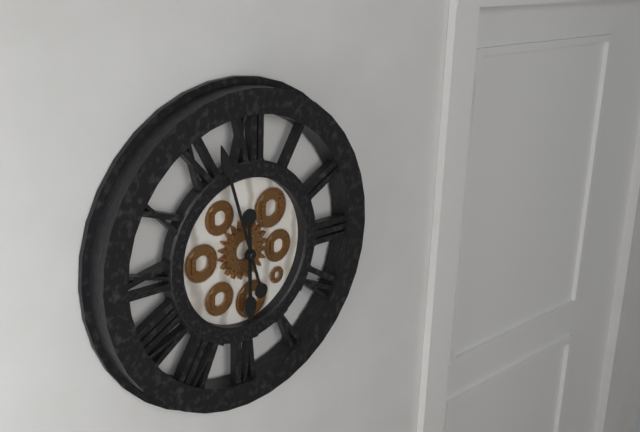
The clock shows **5:57**
